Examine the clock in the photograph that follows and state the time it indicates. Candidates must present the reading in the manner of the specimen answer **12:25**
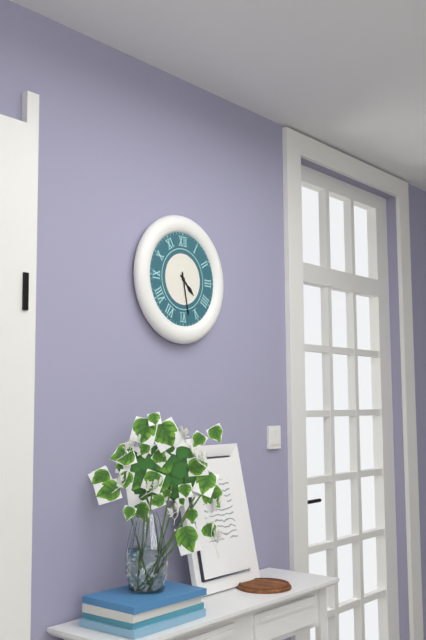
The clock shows **4:28**
